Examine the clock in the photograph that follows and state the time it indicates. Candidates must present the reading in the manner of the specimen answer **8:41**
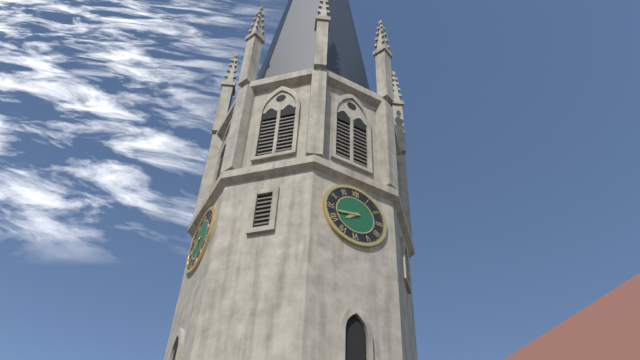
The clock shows **7:43**
